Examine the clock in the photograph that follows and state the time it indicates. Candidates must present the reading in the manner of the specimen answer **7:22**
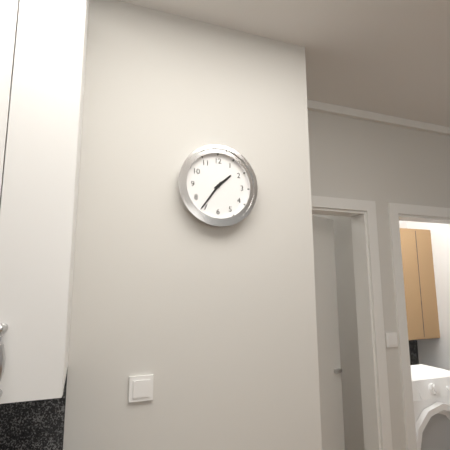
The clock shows **1:36**
